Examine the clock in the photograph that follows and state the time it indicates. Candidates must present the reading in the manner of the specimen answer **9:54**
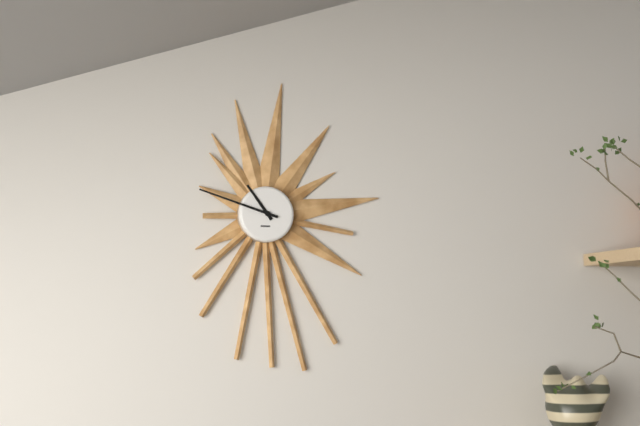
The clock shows **10:48**
